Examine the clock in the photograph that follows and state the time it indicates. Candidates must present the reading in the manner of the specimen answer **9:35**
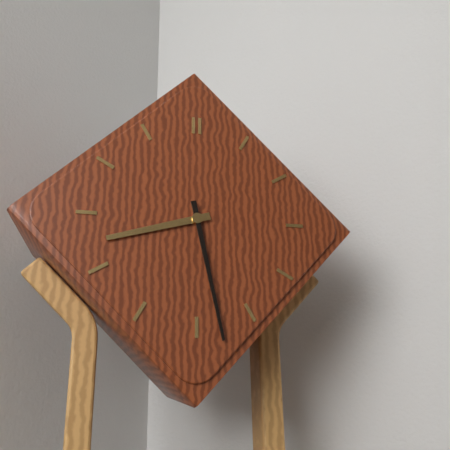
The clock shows **8:28**
